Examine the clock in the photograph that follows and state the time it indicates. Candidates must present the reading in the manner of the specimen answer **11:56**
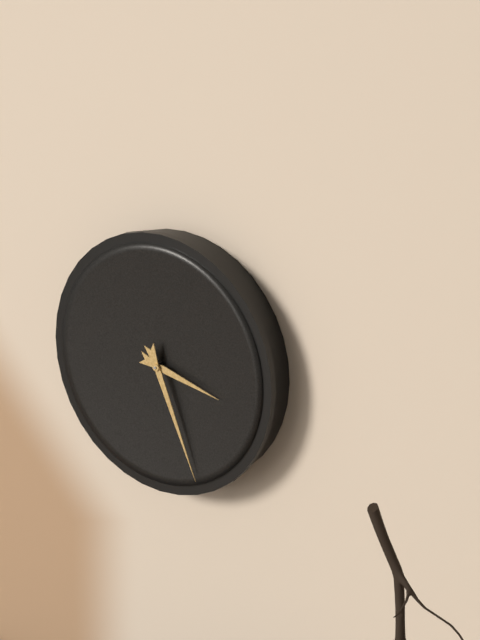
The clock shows **3:26**
